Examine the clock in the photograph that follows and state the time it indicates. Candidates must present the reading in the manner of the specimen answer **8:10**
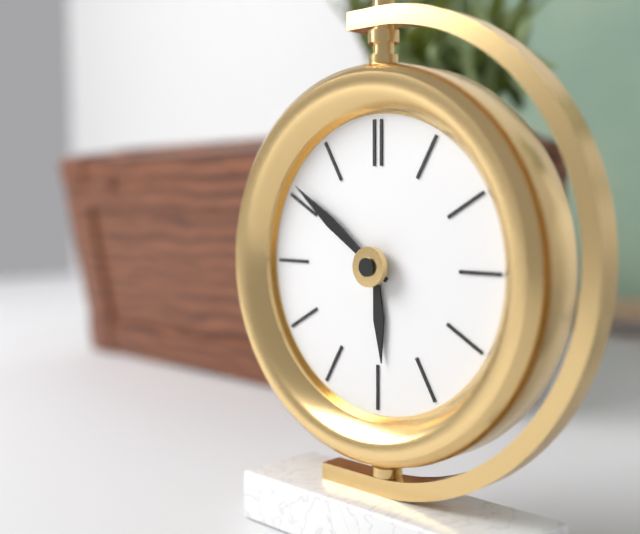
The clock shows **5:51**
